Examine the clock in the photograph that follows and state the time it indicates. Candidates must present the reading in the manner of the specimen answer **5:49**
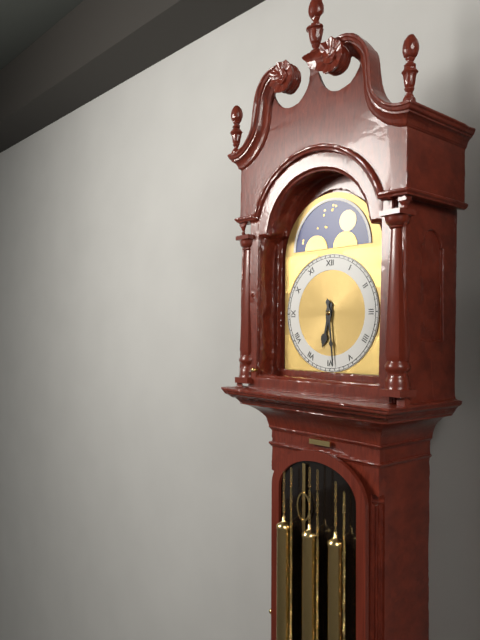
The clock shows **6:29**
